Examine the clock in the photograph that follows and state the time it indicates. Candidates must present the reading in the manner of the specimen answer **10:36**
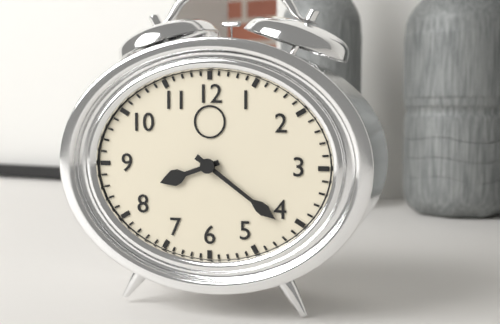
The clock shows **8:21**
